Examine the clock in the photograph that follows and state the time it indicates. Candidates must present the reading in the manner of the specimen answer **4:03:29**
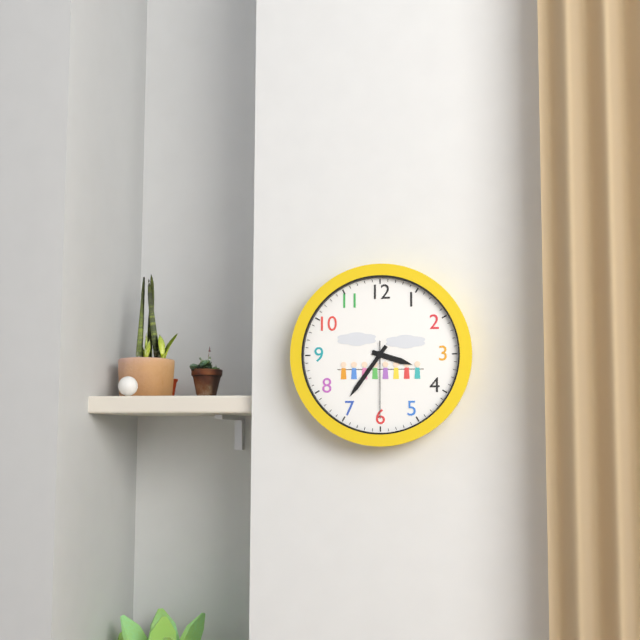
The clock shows **3:36:30**
